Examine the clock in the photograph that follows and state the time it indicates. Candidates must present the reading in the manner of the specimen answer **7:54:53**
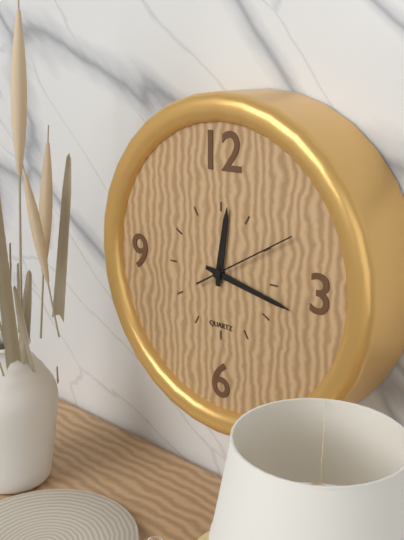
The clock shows **12:17:10**
